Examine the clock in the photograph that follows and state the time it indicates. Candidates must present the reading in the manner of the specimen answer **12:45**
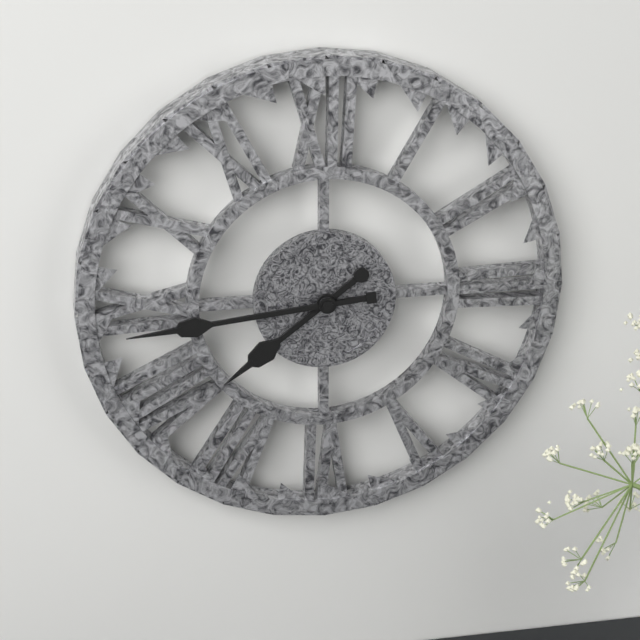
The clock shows **7:44**
